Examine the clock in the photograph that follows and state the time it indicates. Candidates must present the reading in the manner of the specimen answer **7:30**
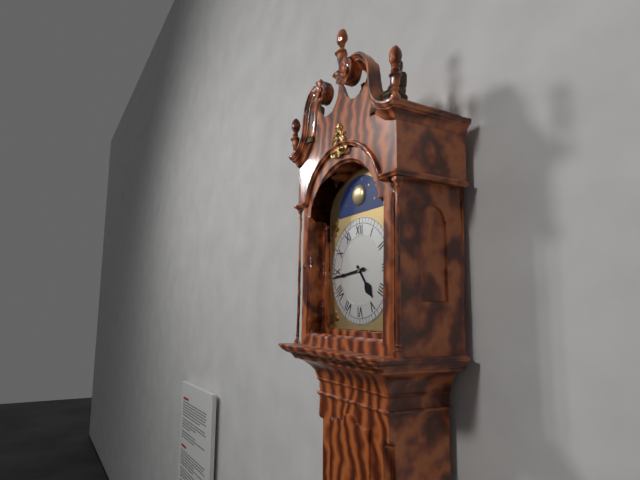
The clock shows **4:44**
